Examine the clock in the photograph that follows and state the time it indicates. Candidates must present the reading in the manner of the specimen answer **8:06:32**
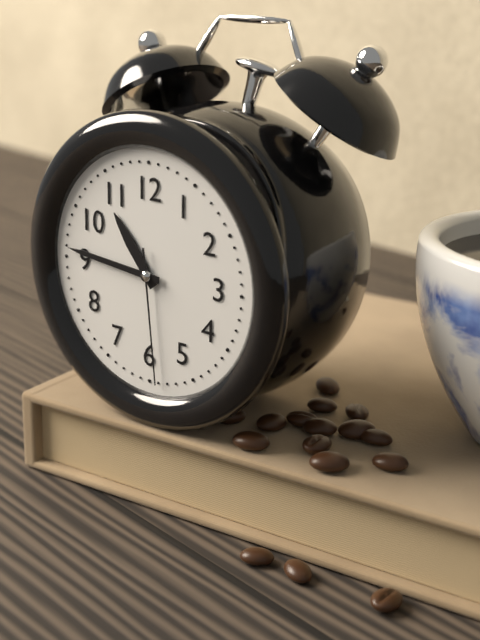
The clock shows **10:46:29**
